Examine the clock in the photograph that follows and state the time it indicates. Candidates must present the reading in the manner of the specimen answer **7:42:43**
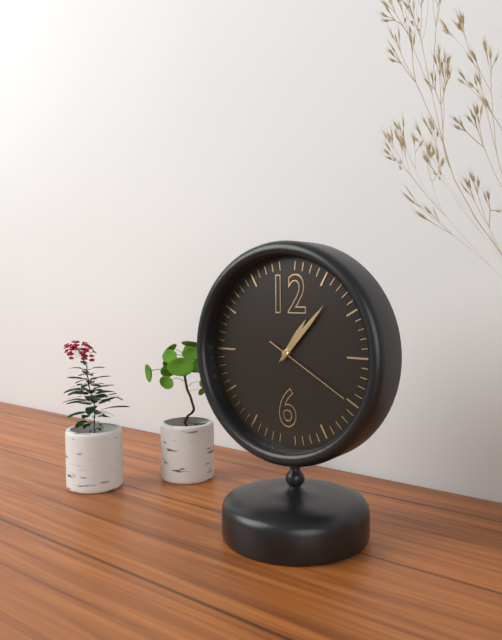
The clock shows **1:07:20**
